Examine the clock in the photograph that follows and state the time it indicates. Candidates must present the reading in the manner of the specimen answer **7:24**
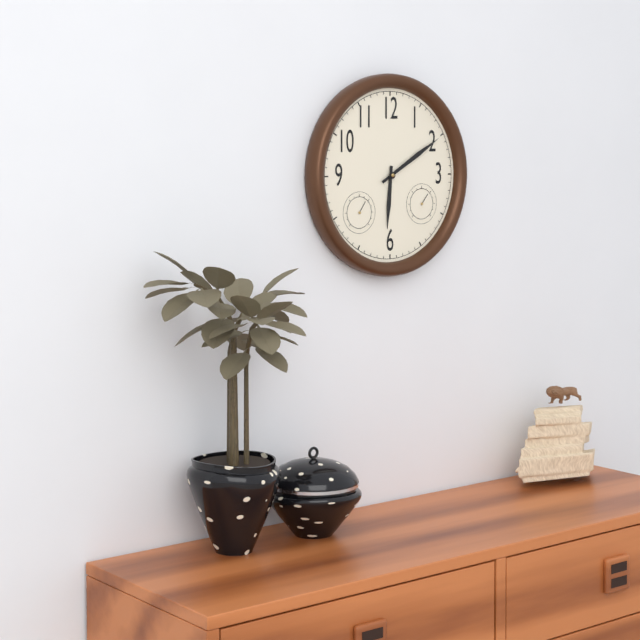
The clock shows **6:10**
